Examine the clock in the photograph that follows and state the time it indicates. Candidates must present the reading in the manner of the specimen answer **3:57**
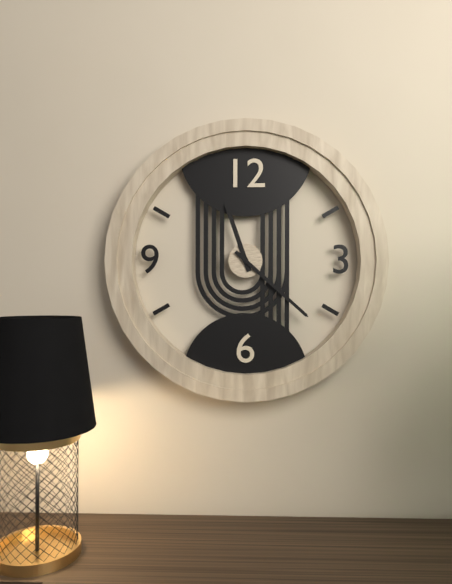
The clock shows **11:22**
